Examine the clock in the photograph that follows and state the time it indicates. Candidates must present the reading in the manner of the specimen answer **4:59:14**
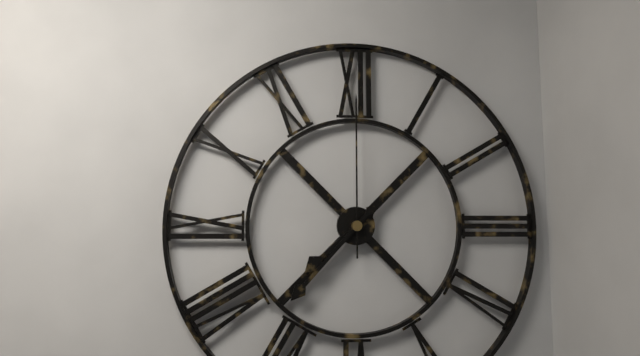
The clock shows **7:37:00**
